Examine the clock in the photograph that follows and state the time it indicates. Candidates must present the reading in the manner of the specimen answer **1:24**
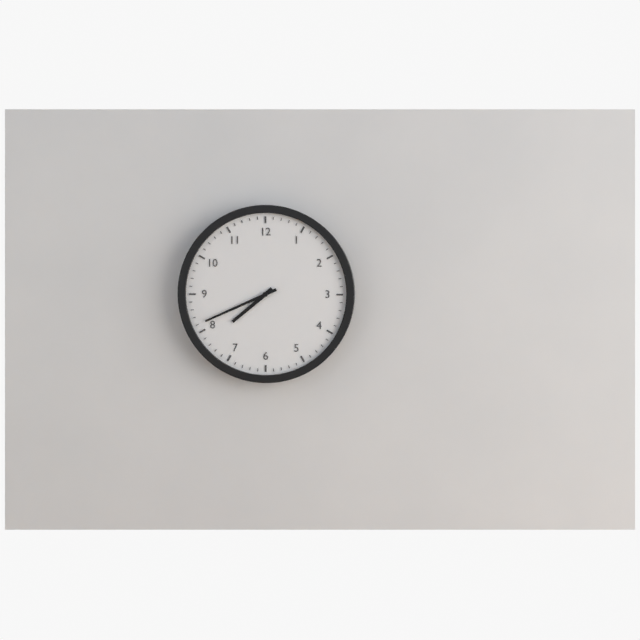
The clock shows **7:41**
